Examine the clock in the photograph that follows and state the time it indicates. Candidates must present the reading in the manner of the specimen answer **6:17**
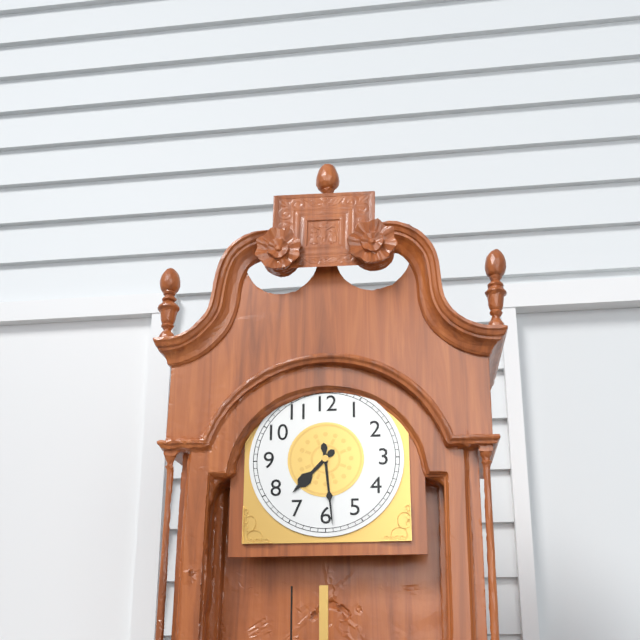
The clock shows **7:29**
